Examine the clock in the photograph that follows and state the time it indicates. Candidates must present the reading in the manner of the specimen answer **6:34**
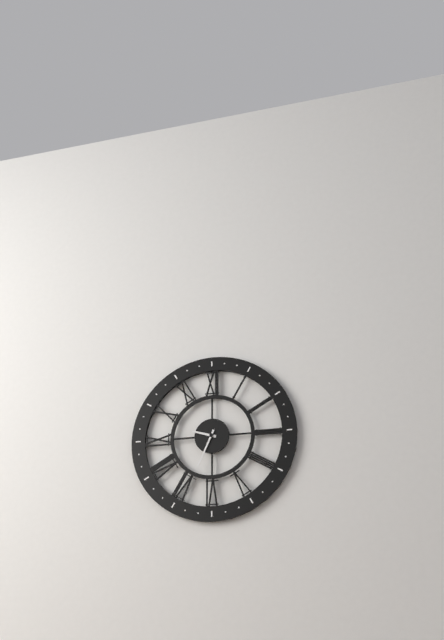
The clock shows **9:34**
